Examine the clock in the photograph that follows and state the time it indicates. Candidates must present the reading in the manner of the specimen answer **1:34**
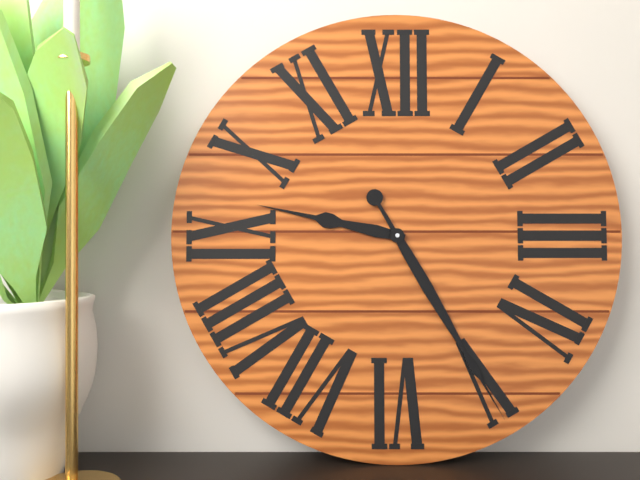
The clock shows **9:25**
